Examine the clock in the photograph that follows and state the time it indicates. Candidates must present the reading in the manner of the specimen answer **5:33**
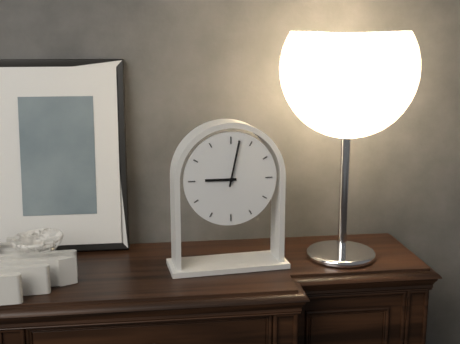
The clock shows **9:02**
